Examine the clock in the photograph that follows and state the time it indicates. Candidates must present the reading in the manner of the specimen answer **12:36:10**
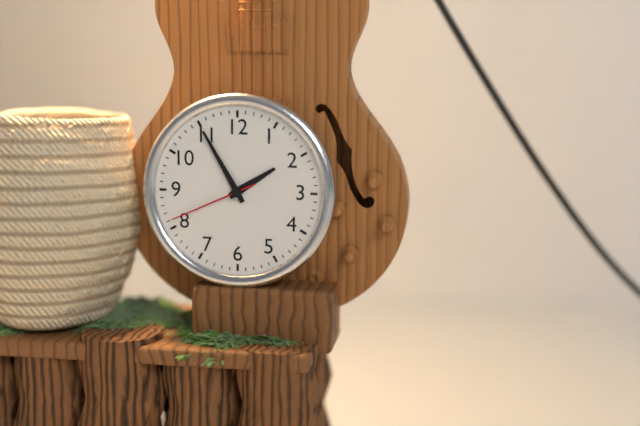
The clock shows **1:55:41**
